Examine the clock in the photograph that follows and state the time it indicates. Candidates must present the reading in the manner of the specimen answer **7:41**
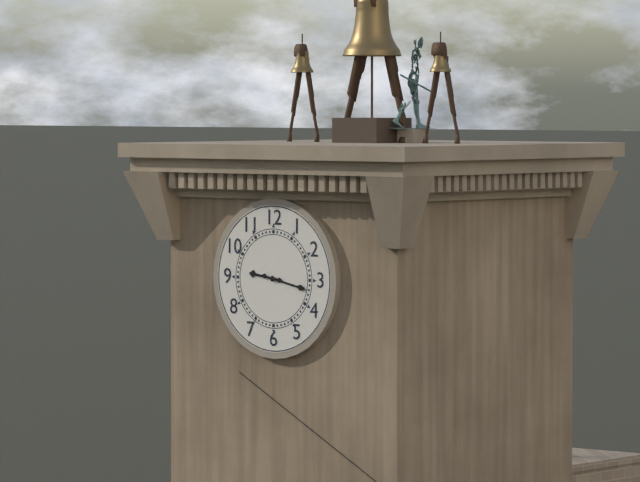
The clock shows **9:17**
